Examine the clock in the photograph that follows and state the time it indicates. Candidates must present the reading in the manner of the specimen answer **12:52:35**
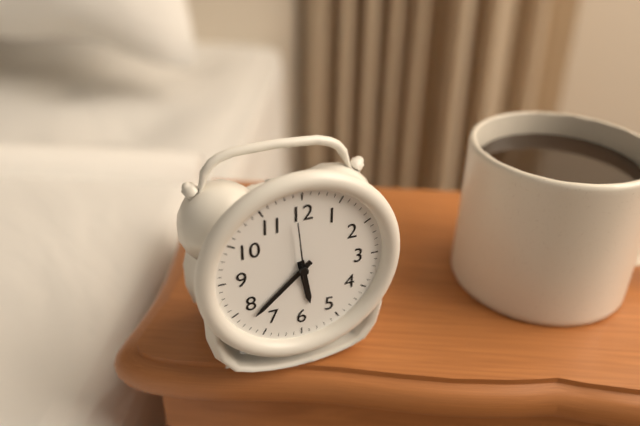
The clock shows **5:38:59**
